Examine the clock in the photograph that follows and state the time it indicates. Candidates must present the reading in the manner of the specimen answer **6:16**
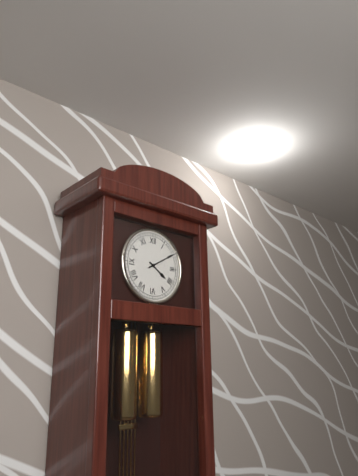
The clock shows **4:10**
